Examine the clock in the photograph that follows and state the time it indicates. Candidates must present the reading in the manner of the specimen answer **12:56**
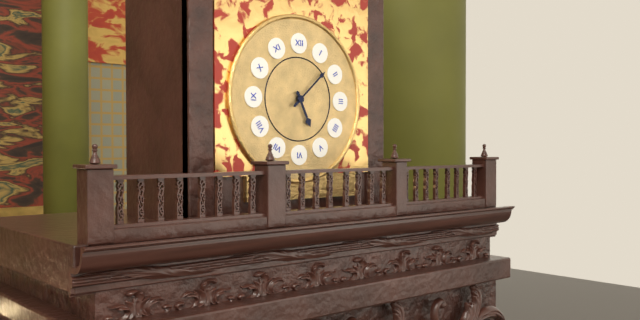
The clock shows **5:08**
